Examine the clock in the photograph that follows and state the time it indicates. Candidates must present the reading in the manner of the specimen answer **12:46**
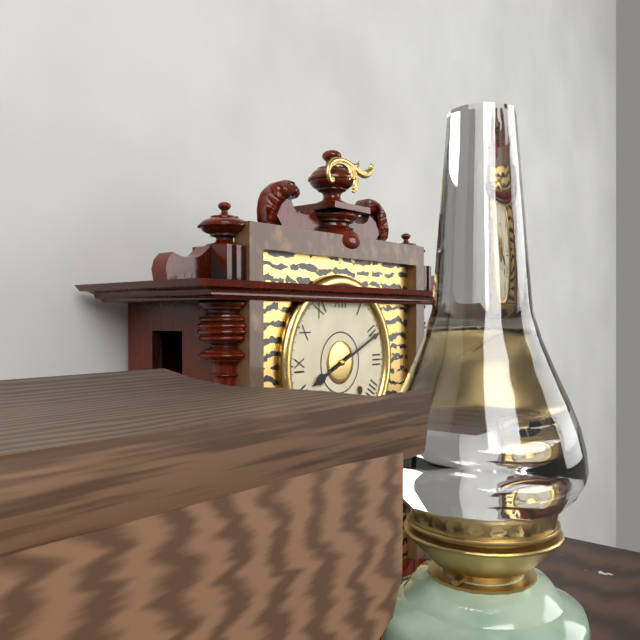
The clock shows **8:11**
